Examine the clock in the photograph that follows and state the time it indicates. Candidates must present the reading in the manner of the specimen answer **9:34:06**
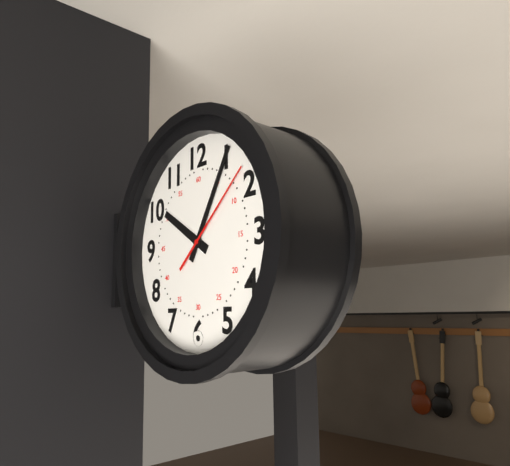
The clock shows **10:05:08**
